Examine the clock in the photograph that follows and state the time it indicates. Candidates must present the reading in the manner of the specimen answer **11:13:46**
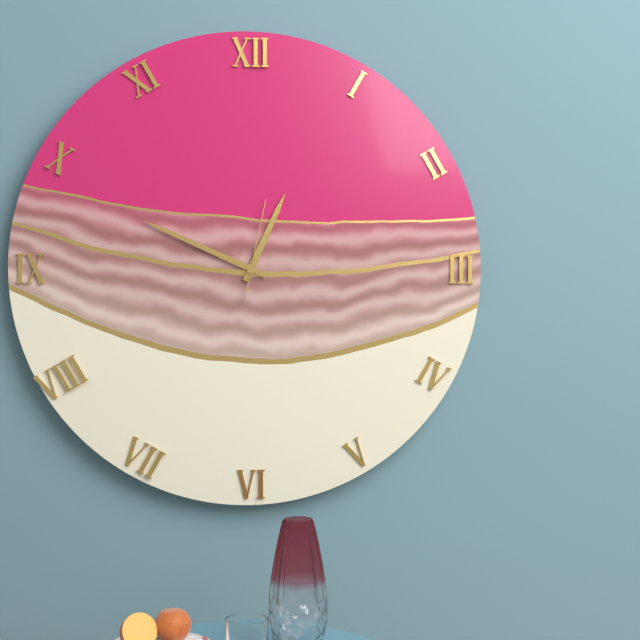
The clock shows **12:49:02**
